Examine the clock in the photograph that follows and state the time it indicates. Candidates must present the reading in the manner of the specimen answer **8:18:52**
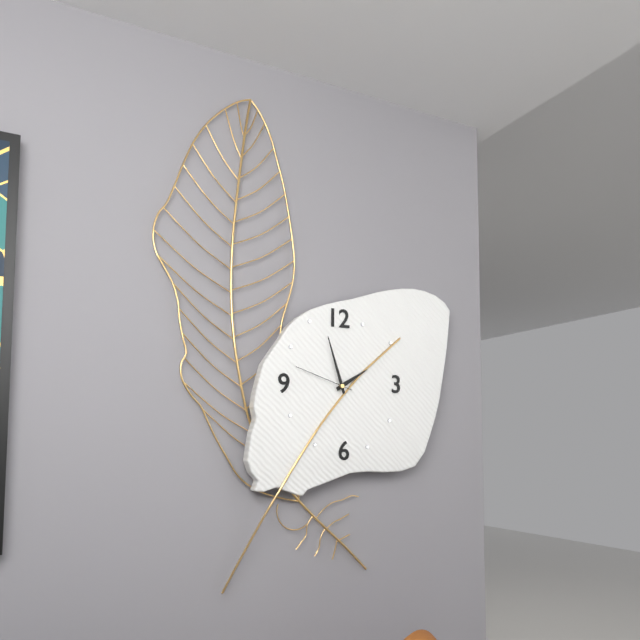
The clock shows **1:57:48**
